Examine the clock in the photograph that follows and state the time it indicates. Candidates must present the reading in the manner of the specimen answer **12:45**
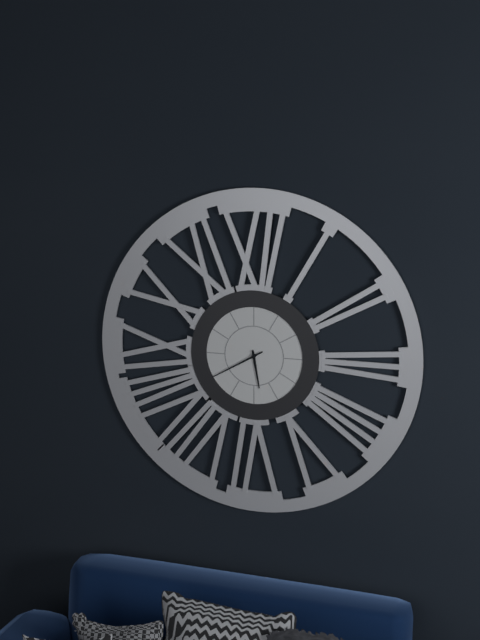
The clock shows **5:40**
